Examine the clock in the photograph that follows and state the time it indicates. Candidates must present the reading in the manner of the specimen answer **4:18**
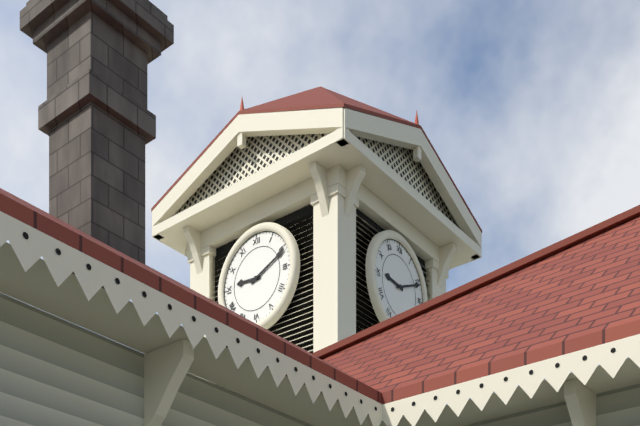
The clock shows **9:11**
